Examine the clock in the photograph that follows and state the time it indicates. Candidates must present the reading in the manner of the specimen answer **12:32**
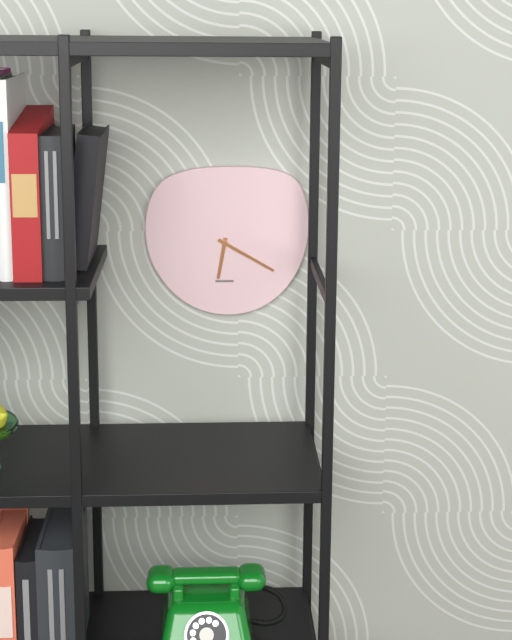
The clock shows **6:20**
